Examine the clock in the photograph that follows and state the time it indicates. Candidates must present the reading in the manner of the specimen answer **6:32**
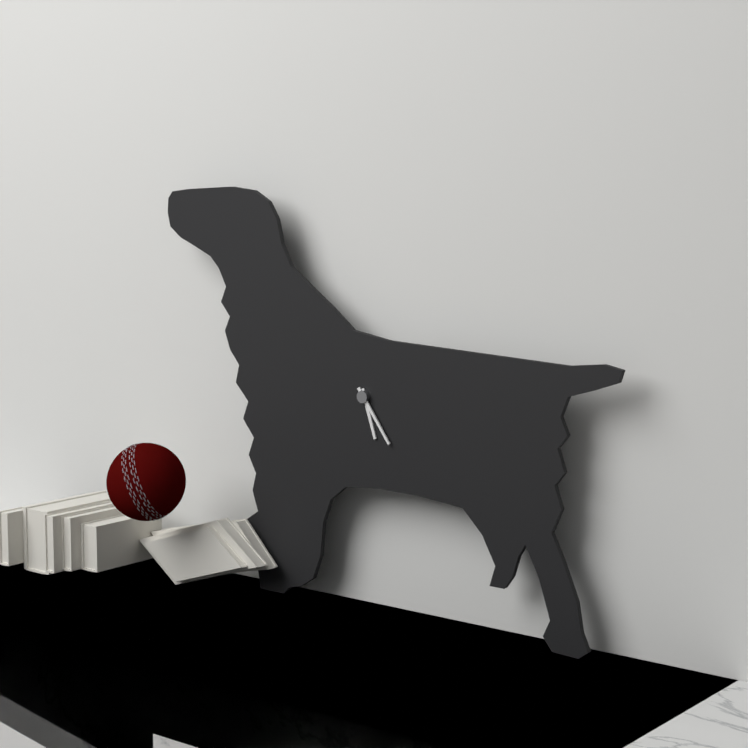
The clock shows **5:24**
